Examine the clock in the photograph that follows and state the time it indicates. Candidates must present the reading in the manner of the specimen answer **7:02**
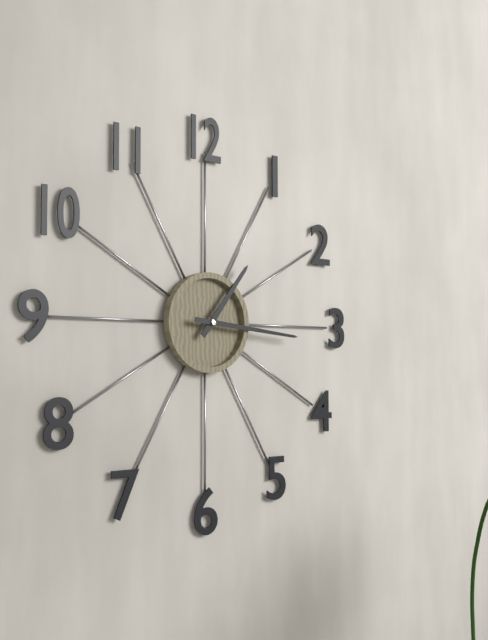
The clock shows **1:16**
